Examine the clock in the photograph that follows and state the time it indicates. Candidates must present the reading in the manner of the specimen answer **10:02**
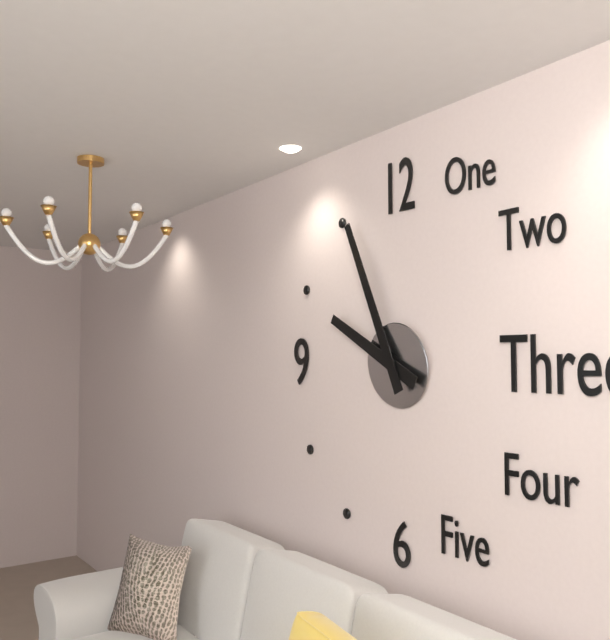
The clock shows **9:56**
